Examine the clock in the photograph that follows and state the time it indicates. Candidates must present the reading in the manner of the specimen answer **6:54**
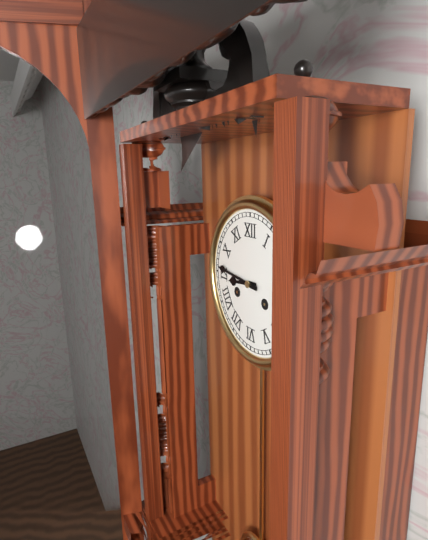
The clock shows **8:46**
